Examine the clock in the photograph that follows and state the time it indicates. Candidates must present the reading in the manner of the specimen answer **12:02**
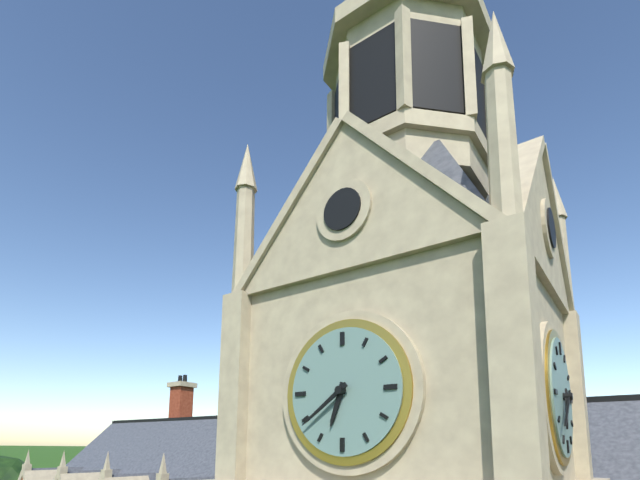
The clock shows **6:39**
